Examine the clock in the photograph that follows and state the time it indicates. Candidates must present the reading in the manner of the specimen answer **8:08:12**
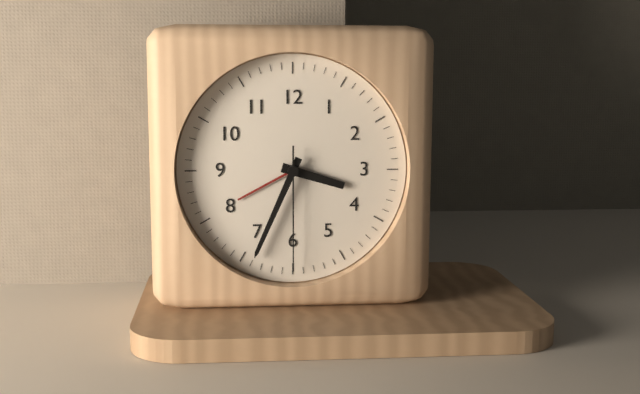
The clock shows **3:34:30**
